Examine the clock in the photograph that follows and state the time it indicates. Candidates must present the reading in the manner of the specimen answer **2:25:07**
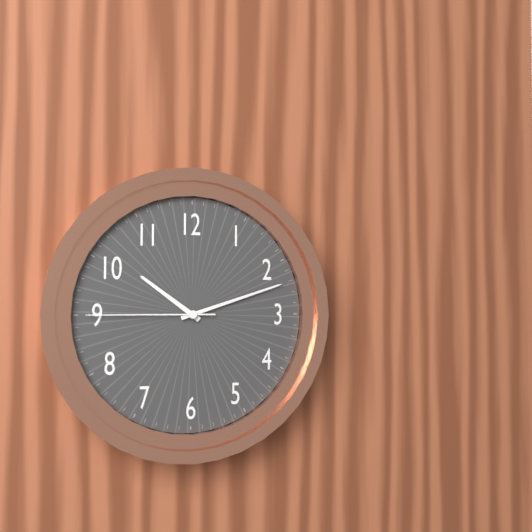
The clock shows **10:12:45**
